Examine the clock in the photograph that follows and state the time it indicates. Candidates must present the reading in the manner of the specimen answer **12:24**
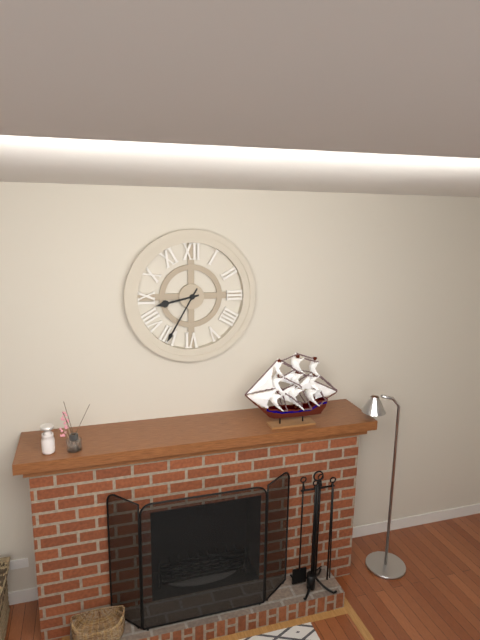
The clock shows **8:35**
